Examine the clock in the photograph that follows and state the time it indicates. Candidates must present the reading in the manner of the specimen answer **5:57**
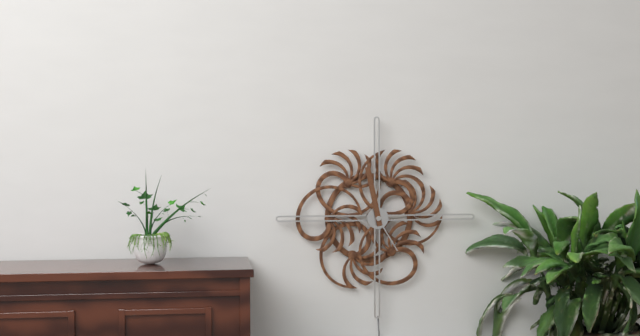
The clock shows **4:58**
